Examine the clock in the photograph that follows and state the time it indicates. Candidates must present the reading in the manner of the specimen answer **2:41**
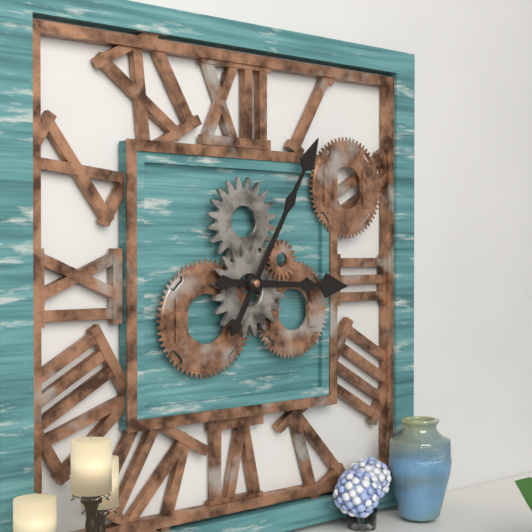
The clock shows **3:05**
